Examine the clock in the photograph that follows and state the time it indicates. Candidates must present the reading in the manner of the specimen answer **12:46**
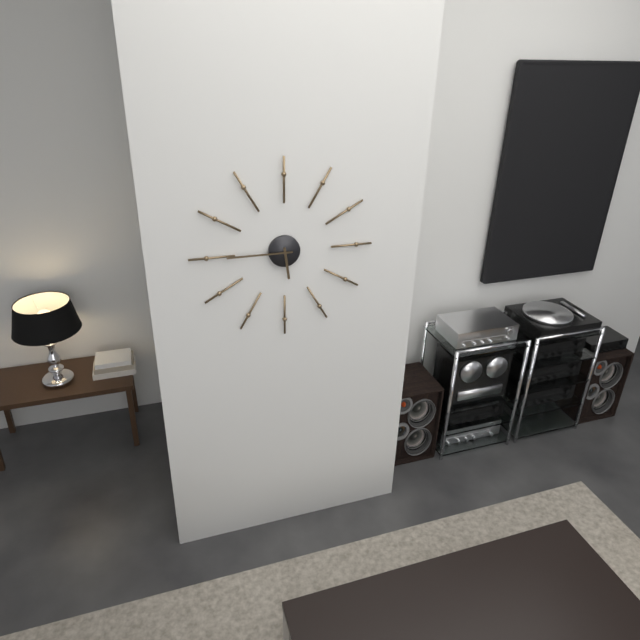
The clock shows **5:45**
